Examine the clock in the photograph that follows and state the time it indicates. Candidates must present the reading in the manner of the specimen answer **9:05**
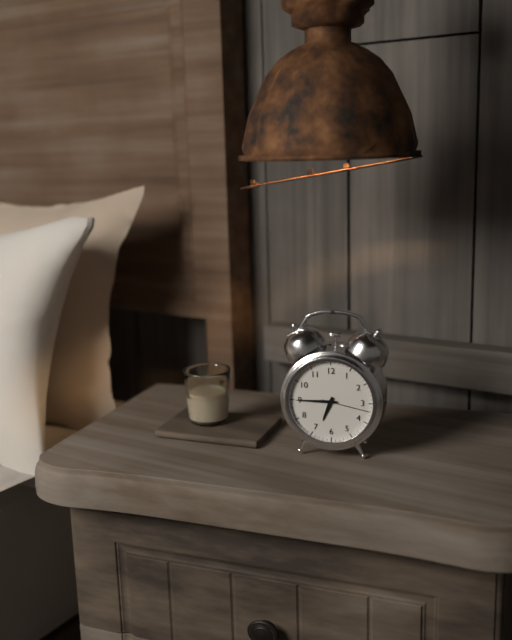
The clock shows **6:45**
